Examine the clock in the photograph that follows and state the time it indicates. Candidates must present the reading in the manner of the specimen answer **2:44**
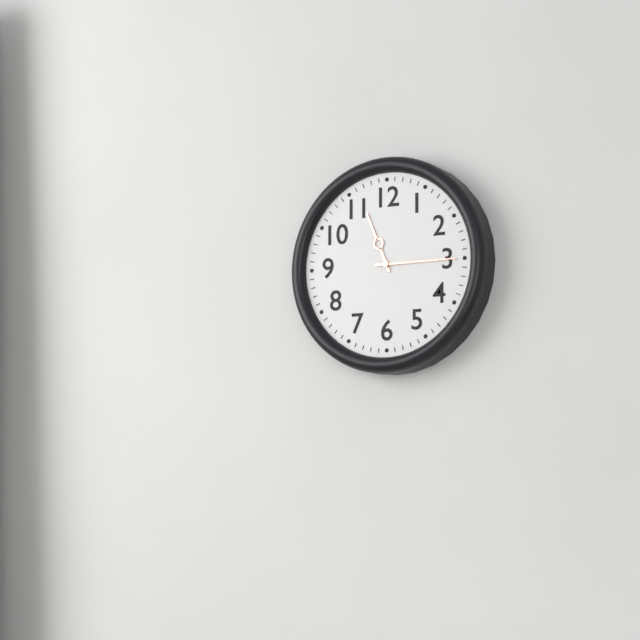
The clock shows **11:15**
